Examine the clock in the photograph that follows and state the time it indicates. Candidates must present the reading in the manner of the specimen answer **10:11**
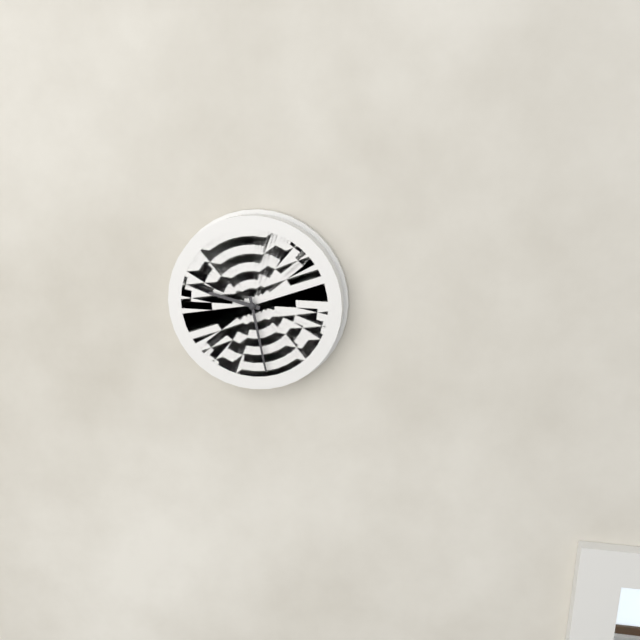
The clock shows **9:28**
